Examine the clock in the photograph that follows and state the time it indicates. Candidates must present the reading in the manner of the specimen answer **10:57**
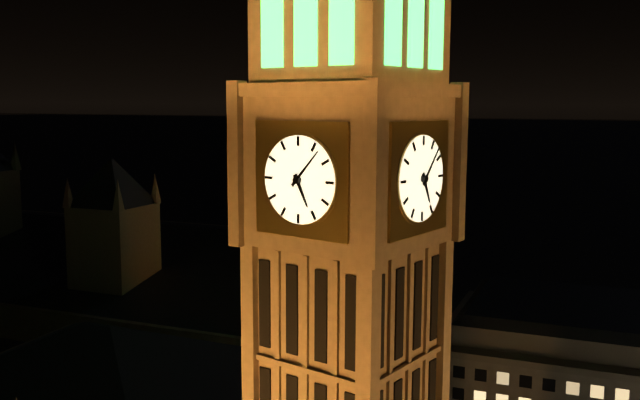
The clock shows **5:07**
